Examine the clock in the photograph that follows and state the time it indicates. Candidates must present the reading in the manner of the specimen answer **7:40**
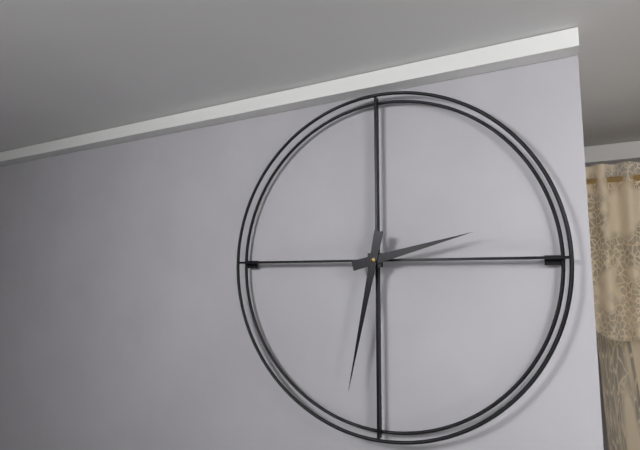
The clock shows **2:32**
